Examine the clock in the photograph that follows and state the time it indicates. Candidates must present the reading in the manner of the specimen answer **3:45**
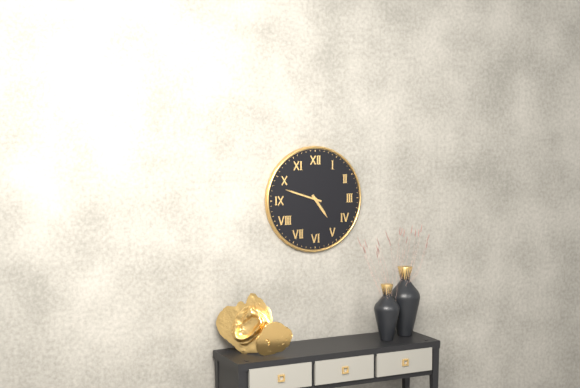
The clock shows **4:48**
